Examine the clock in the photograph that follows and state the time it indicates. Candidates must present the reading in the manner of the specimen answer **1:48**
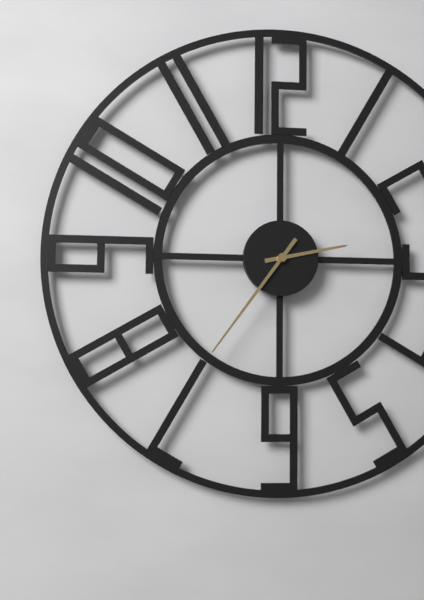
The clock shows **2:36**
